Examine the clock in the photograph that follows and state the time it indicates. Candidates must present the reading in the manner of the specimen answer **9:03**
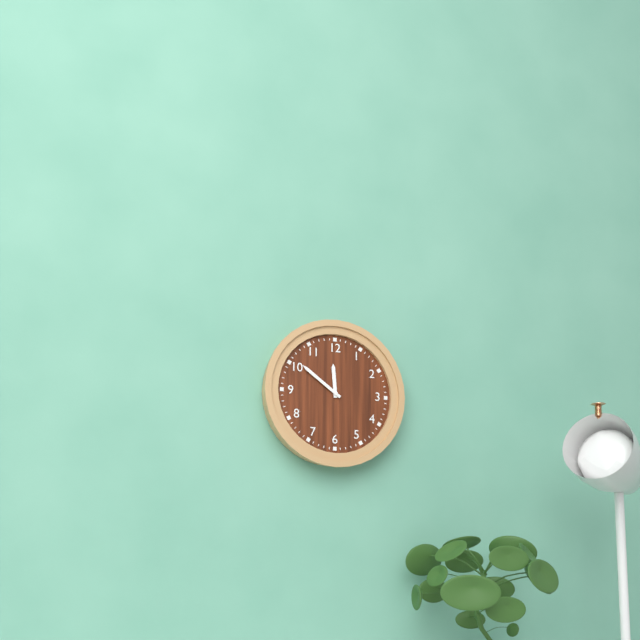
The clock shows **11:51**
